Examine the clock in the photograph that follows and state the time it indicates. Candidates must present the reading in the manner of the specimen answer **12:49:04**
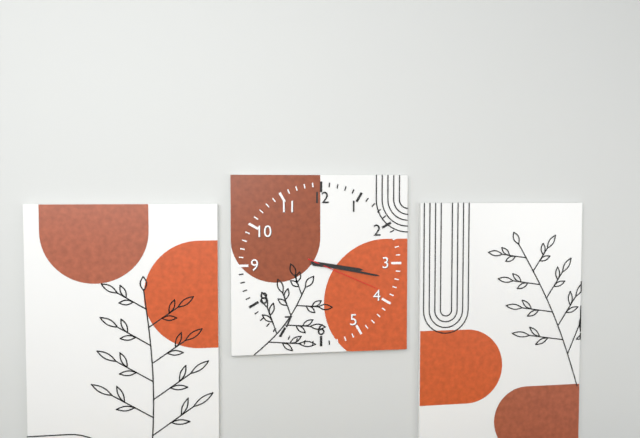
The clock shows **3:17:19**
